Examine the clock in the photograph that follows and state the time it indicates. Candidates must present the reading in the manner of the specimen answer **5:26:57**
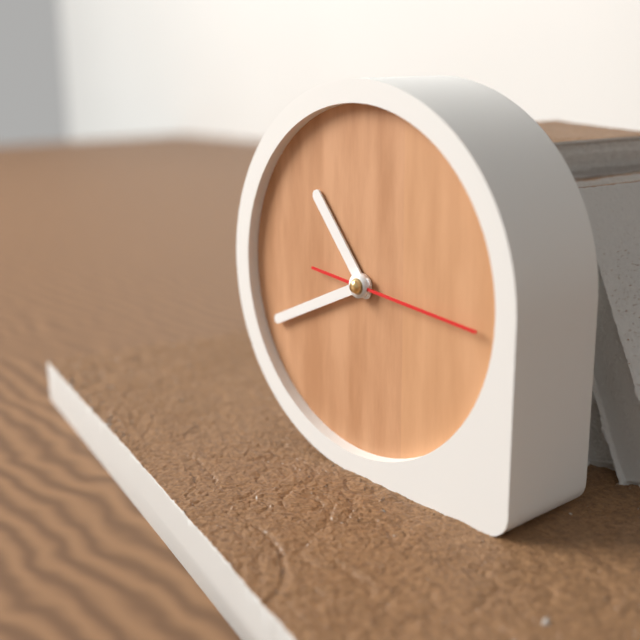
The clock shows **10:41:16**
